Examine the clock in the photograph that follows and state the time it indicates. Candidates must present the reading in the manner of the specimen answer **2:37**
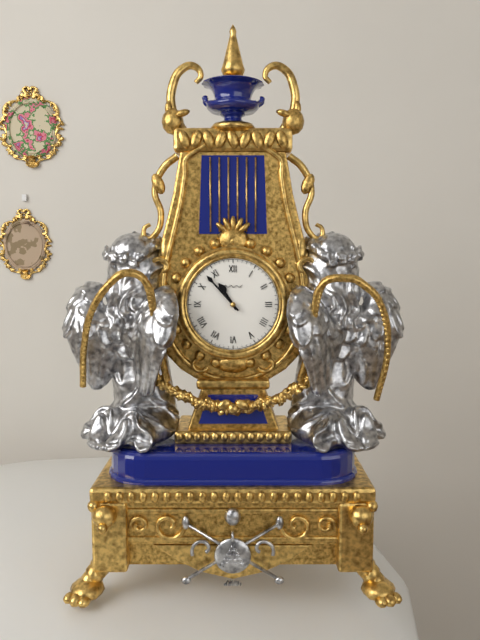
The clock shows **10:53**
